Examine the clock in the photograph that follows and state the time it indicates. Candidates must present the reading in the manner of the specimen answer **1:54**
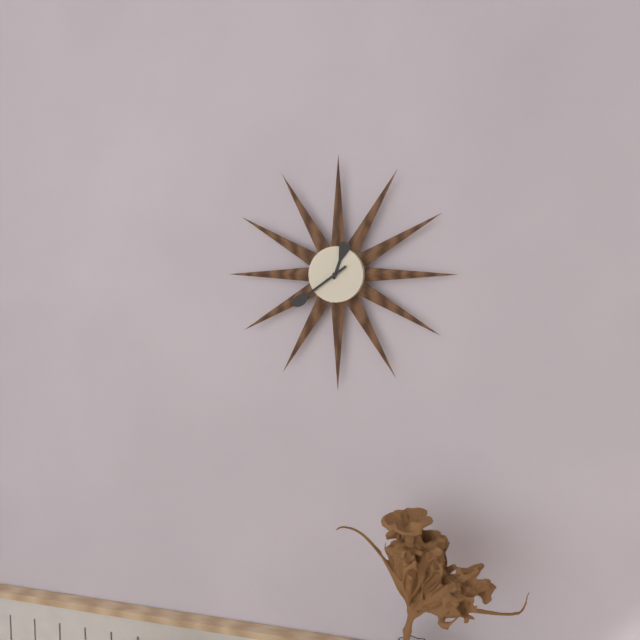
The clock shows **12:39**
